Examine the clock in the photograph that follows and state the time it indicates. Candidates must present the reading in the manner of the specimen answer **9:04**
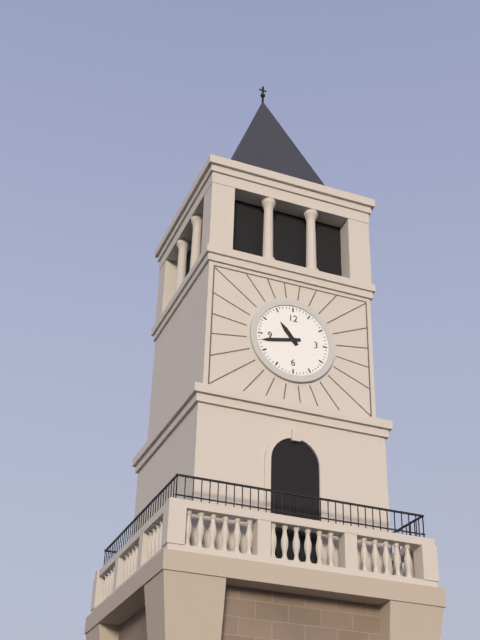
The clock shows **10:43**
